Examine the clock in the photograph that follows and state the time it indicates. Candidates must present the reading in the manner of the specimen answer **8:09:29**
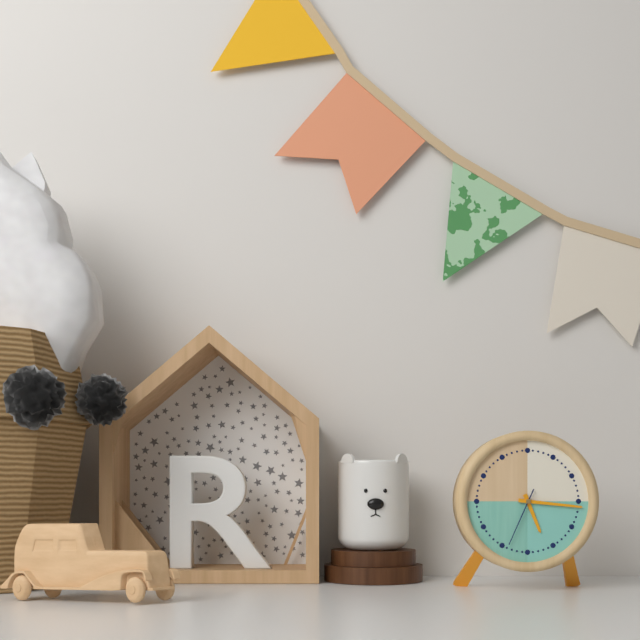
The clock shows **5:16:34**
